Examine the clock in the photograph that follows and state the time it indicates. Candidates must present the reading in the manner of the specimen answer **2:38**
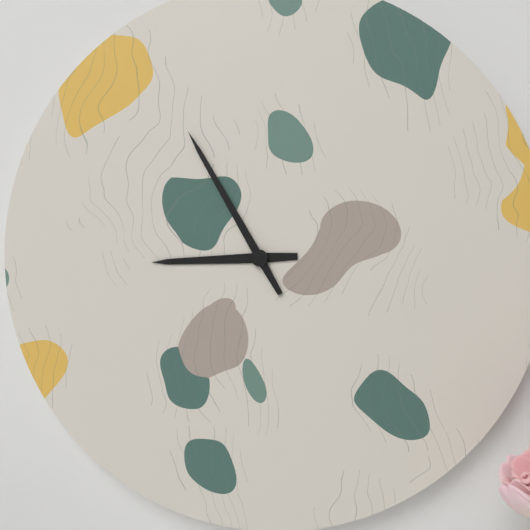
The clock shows **8:55**
